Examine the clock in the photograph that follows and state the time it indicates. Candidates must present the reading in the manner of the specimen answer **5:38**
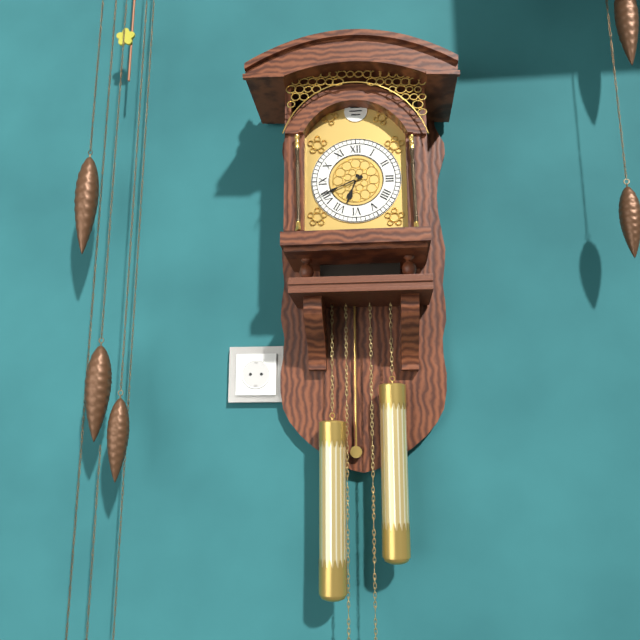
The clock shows **6:41**
